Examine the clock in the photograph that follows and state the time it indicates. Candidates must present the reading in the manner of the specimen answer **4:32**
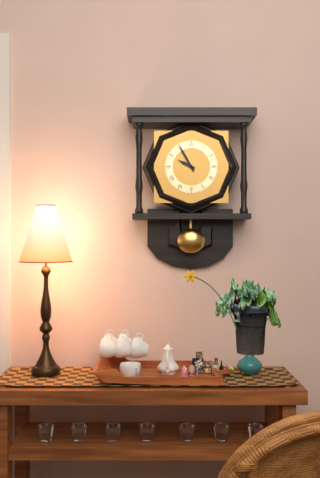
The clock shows **9:55**
